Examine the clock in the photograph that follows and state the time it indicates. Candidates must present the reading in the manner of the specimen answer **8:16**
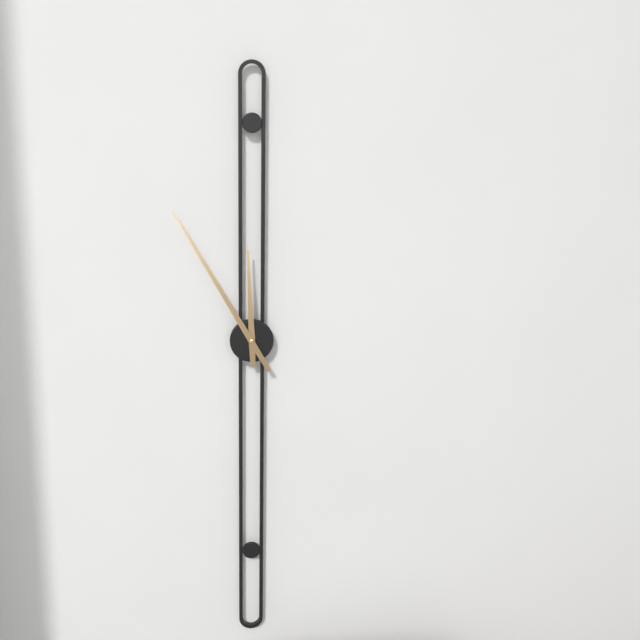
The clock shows **11:55**
